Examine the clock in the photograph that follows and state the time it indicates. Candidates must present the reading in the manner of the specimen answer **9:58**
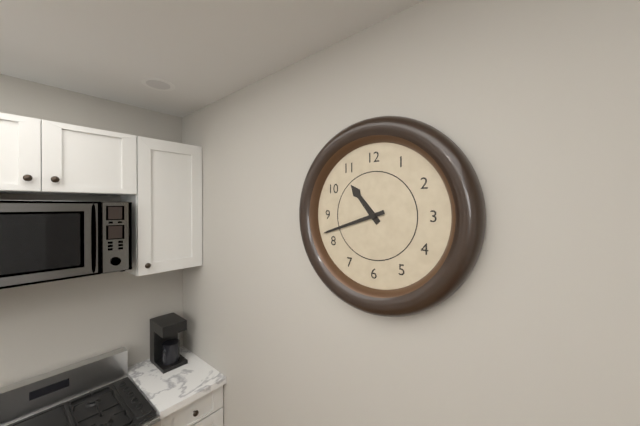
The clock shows **10:42**
